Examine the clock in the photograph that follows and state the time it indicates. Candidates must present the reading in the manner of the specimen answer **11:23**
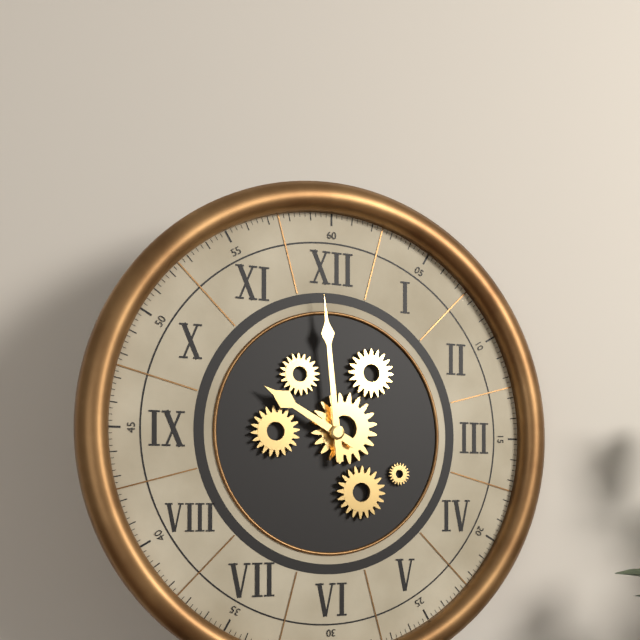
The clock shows **9:59**
